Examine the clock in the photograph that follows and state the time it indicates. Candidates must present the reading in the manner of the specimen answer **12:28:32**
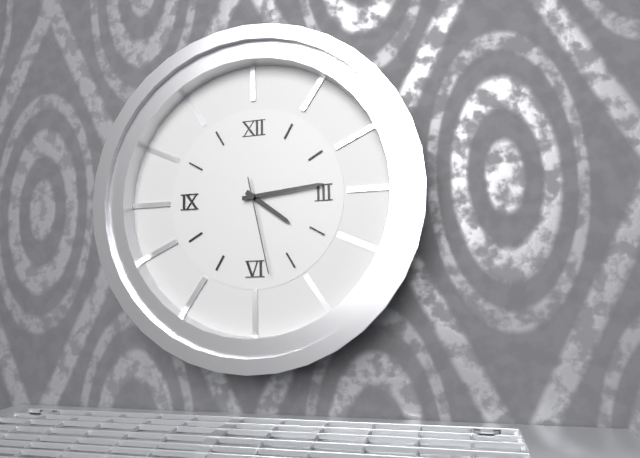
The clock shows **4:14:28**
